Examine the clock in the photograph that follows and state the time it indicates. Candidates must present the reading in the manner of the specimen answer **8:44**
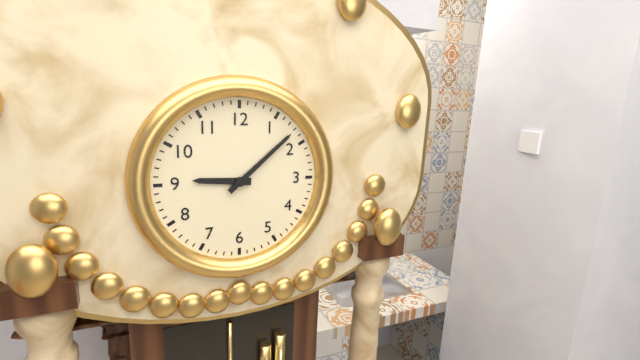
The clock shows **9:08**
